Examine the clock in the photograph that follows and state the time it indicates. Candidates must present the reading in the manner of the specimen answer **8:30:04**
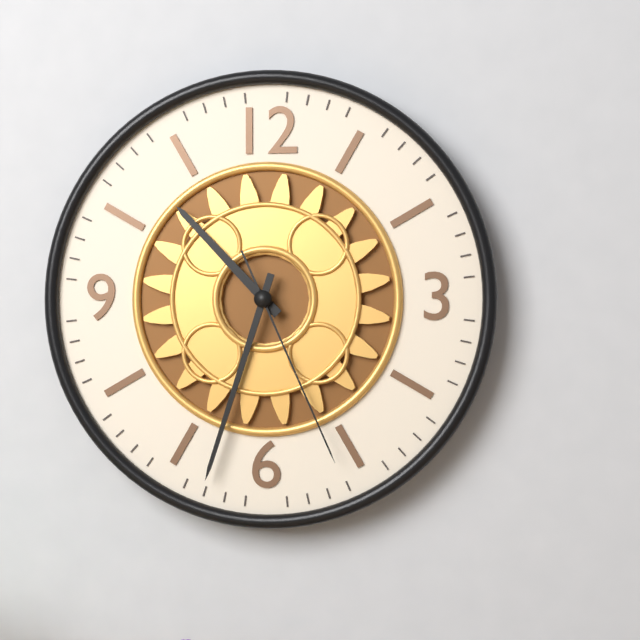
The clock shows **10:33:26**
